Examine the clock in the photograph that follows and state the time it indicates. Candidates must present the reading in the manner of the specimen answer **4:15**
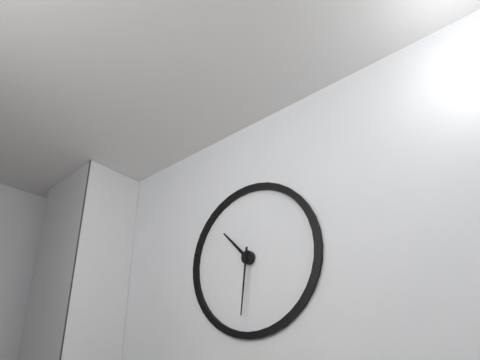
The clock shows **10:31**
